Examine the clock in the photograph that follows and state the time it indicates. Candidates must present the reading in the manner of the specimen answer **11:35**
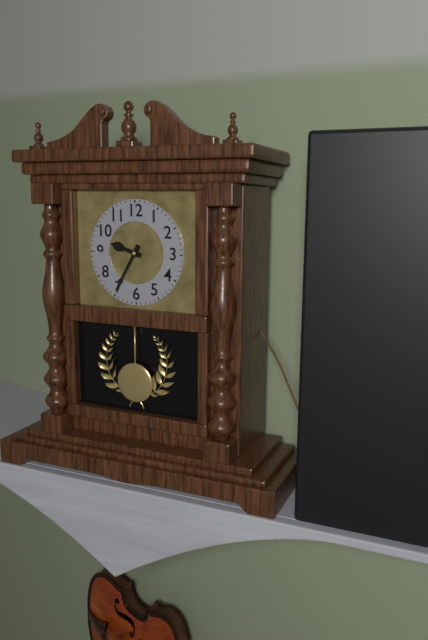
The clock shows **9:35**
